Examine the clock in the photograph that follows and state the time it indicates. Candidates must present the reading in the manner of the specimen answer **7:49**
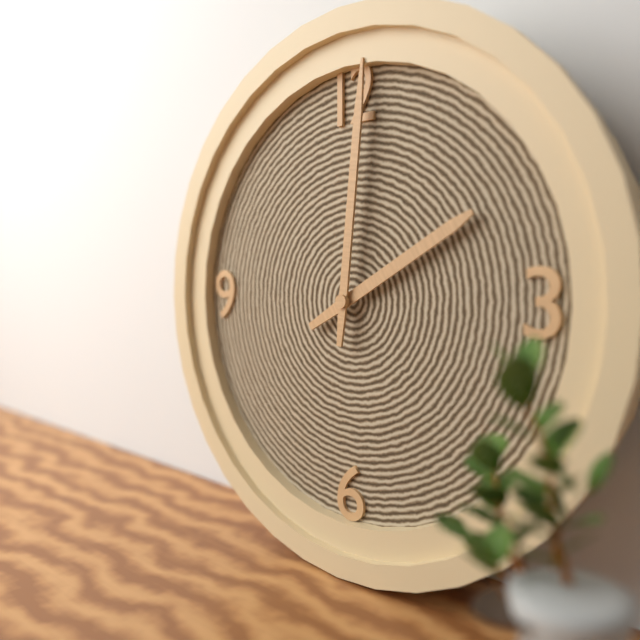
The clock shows **2:01**
